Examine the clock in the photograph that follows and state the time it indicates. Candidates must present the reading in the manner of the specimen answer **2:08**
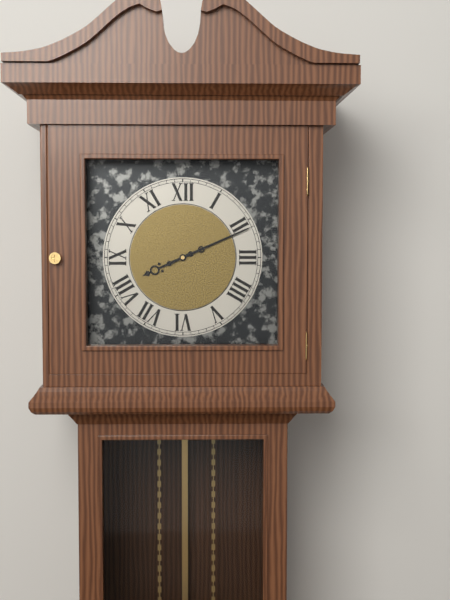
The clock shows **8:11**
